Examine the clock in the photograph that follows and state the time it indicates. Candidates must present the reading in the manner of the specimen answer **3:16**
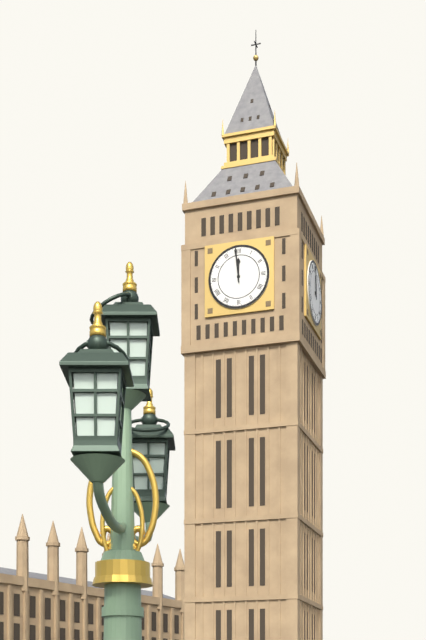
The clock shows **11:59**
